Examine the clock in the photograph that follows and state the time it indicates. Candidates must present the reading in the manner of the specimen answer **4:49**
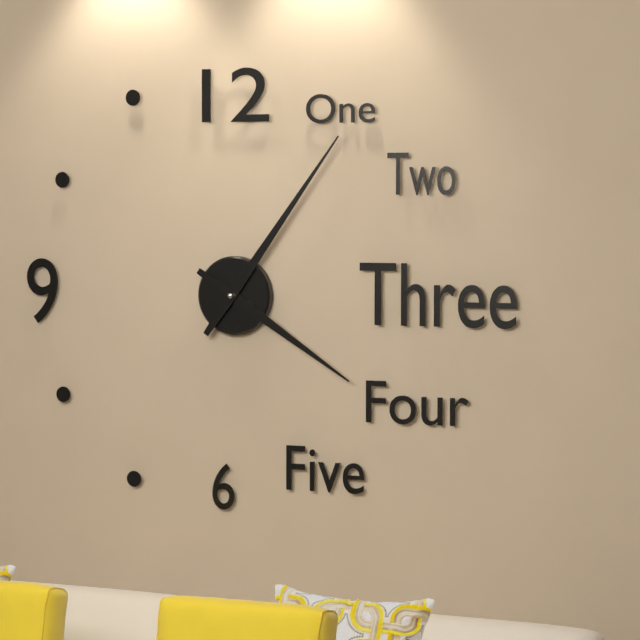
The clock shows **4:06**
